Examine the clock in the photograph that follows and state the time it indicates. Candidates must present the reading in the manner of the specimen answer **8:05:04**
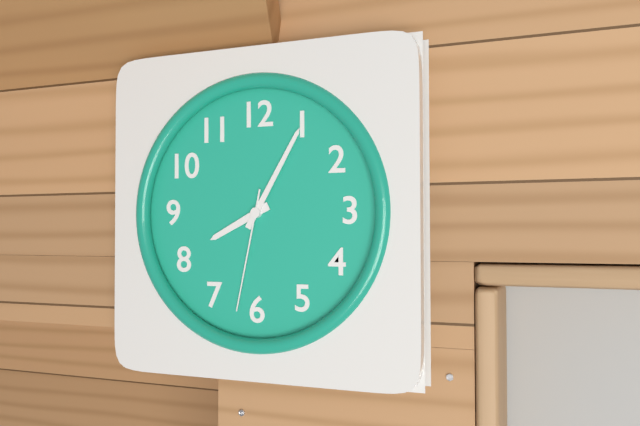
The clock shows **8:05:32**
